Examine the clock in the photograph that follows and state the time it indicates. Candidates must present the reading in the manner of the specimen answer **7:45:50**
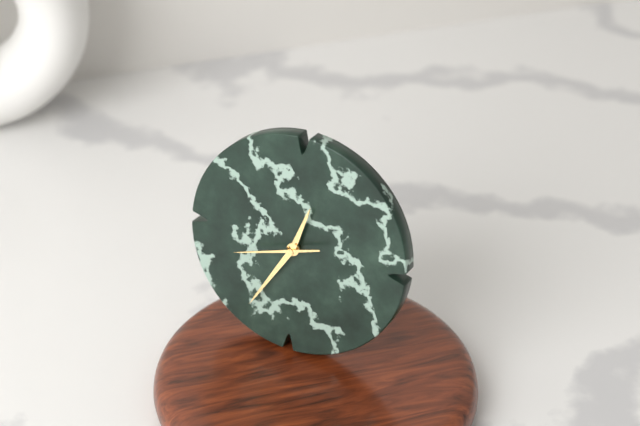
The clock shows **12:35:42**
